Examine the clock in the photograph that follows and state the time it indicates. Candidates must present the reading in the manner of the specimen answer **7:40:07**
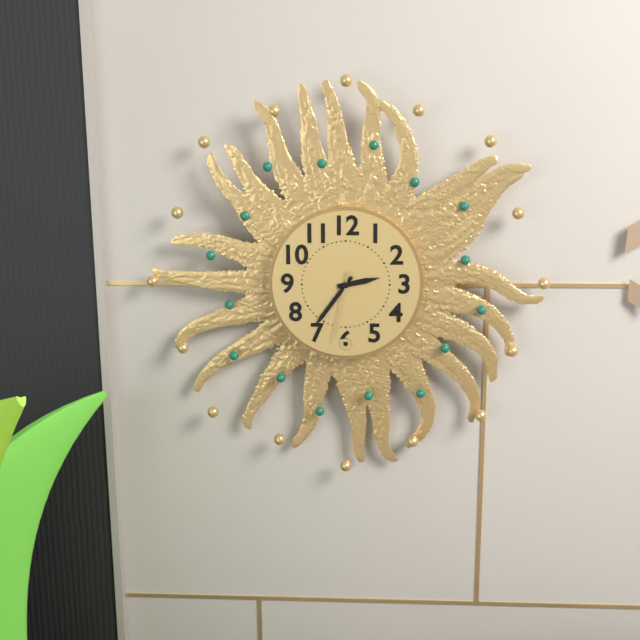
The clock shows **2:36:32**
